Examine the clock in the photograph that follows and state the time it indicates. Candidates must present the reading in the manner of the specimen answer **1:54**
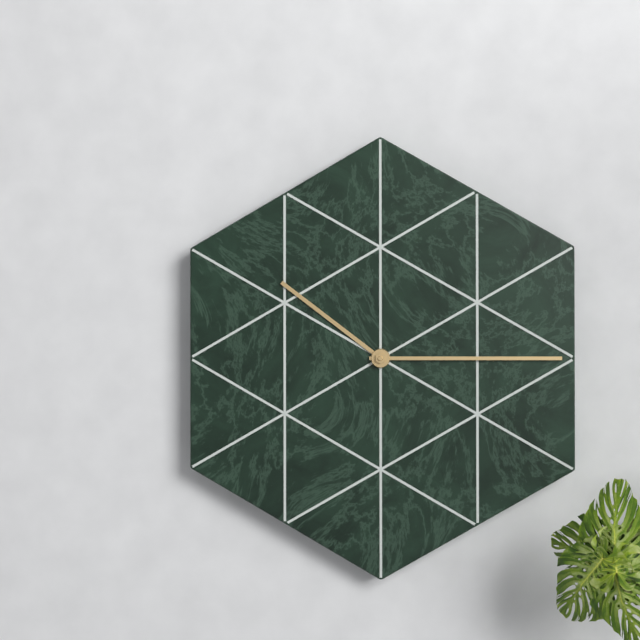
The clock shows **10:15**
